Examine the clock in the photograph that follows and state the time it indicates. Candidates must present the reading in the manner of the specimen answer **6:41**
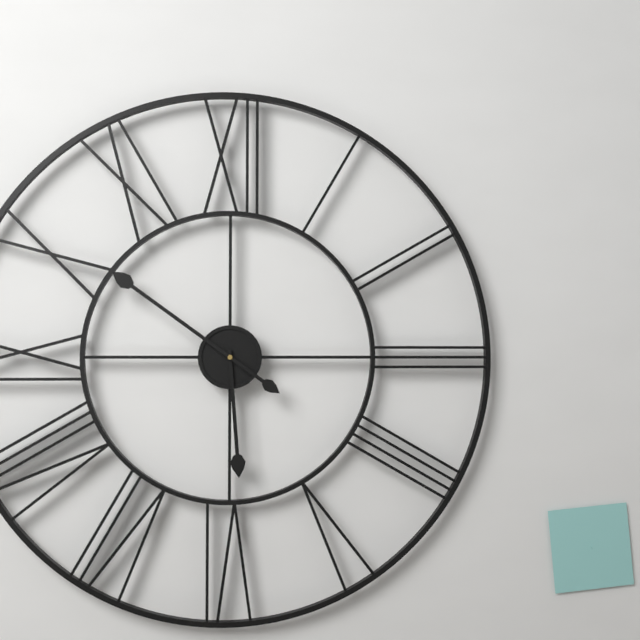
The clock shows **5:51**
